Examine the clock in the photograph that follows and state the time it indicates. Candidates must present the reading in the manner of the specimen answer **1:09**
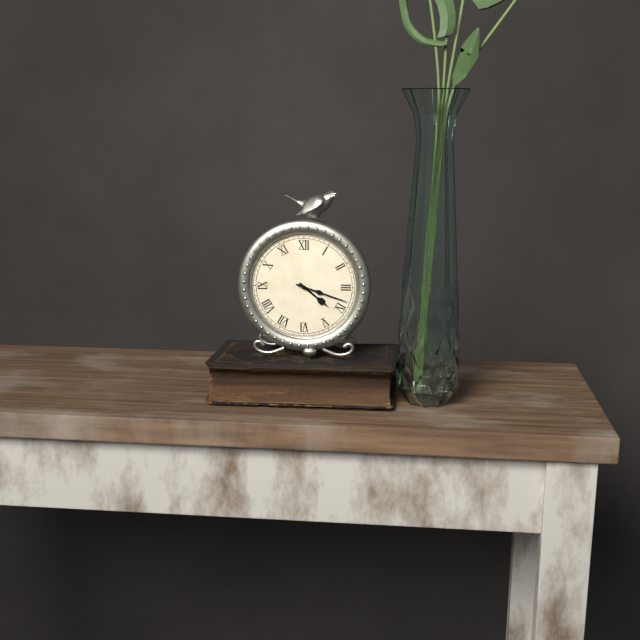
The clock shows **4:18**
